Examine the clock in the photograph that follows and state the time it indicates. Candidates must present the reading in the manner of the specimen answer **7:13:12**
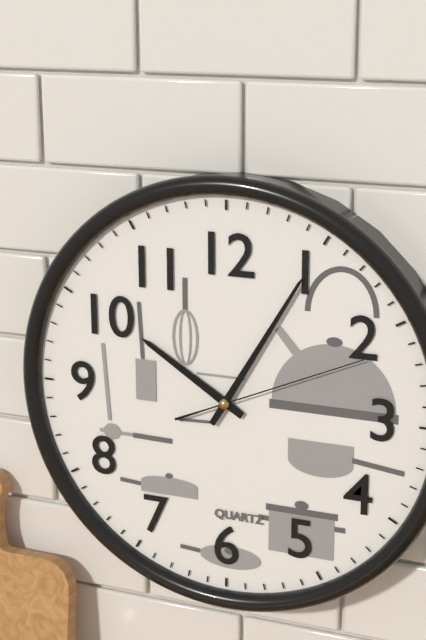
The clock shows **10:05:11**
